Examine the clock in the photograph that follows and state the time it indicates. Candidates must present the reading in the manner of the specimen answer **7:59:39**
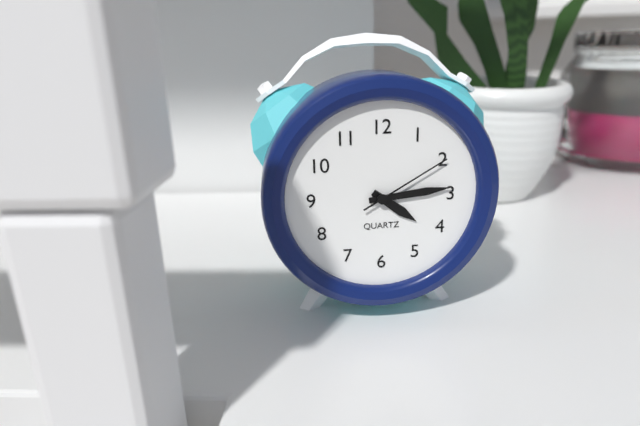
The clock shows **4:14:10**
